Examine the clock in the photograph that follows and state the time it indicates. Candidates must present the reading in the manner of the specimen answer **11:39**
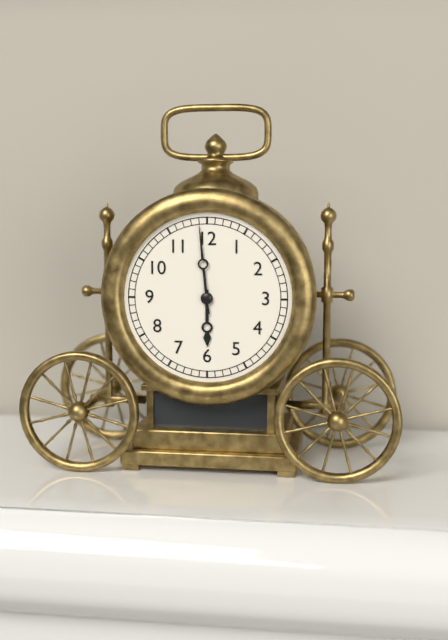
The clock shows **5:59**
